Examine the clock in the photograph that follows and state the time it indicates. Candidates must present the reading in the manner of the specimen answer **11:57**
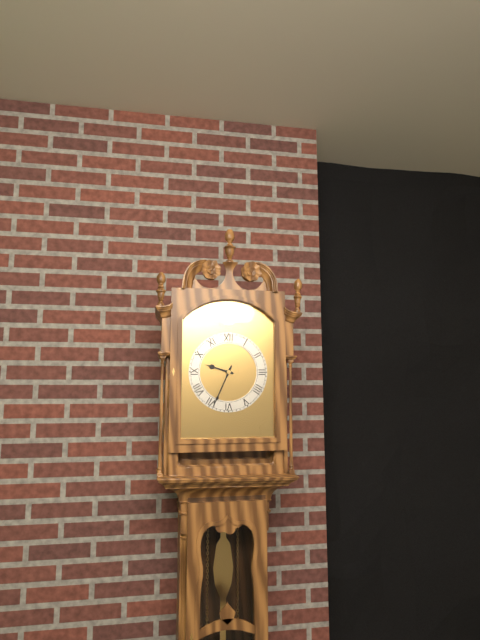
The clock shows **9:34**
